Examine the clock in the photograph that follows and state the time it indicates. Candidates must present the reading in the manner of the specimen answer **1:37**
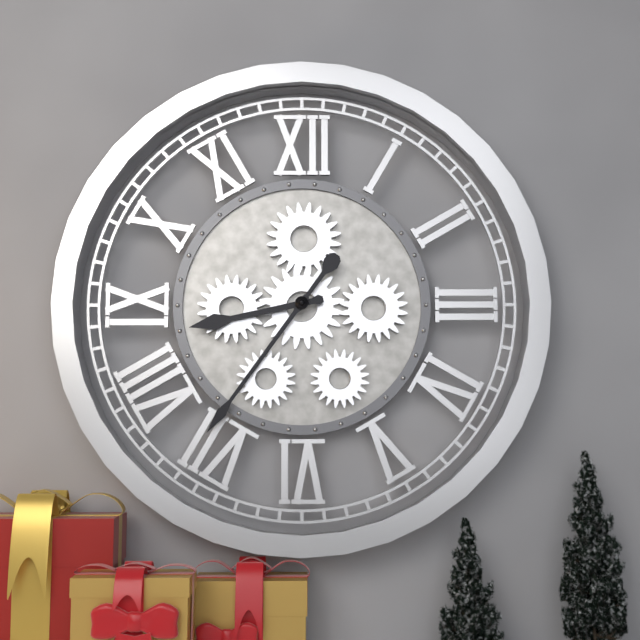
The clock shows **8:36**
